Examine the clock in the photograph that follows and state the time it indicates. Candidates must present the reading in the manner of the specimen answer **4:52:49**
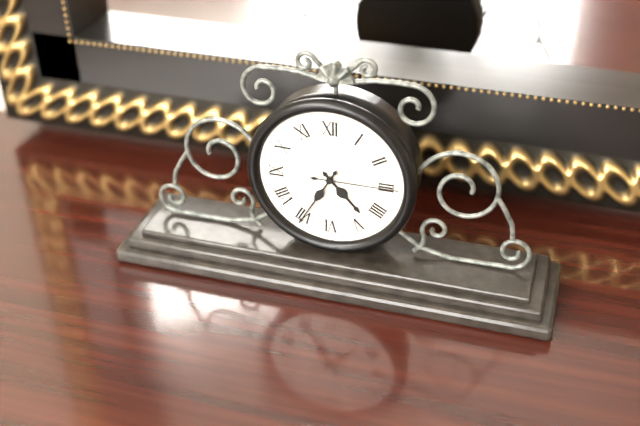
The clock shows **4:35:15**
